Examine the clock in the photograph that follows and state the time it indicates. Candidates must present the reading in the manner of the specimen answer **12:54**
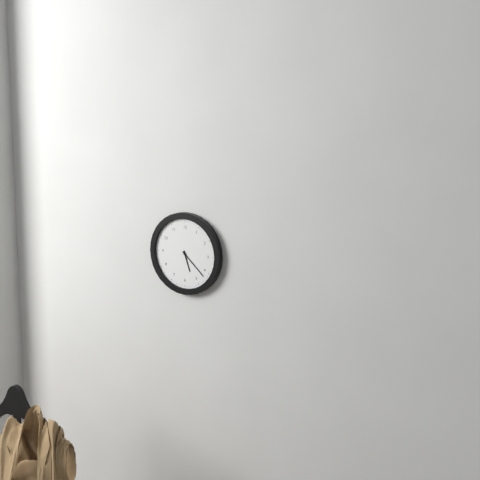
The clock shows **5:22**
